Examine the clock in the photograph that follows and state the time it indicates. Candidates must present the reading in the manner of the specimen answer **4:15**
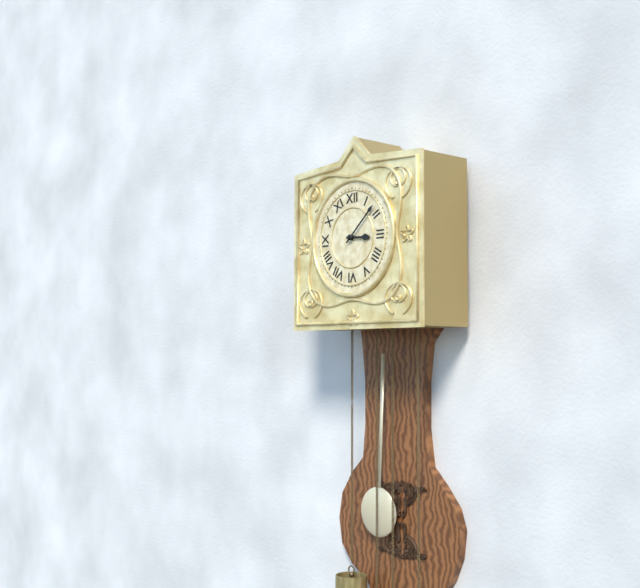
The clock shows **3:08**
